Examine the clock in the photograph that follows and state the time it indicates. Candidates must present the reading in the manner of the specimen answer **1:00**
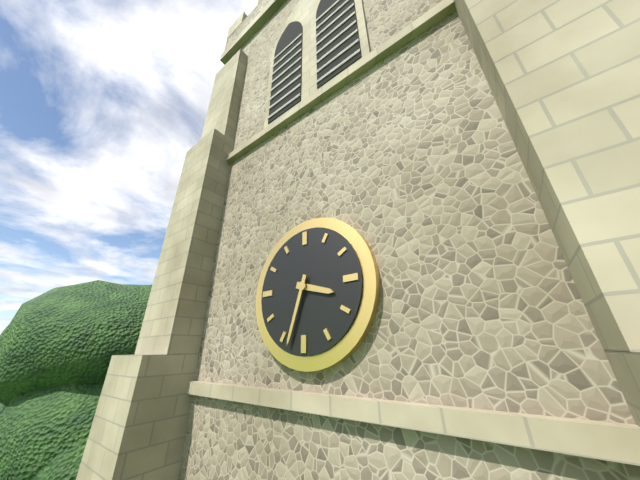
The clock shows **3:33**
